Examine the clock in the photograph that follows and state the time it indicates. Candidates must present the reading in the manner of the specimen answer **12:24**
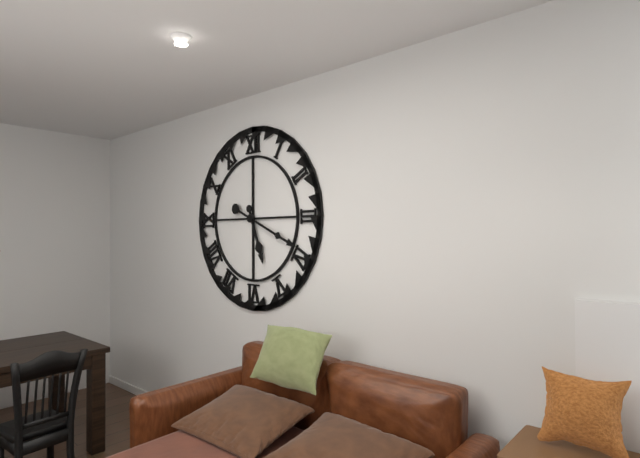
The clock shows **5:19**
